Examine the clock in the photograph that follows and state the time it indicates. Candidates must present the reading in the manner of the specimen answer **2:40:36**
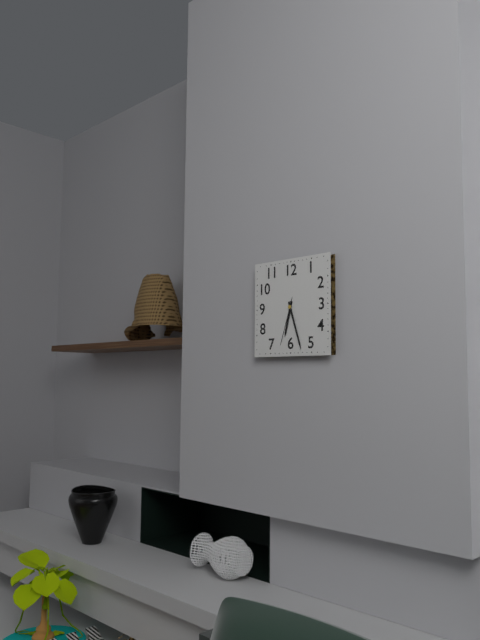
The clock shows **6:27:33**
